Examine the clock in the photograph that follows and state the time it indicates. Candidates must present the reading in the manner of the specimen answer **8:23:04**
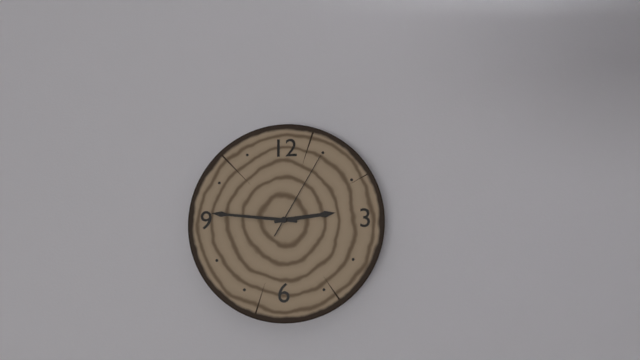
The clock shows **2:46:05**
